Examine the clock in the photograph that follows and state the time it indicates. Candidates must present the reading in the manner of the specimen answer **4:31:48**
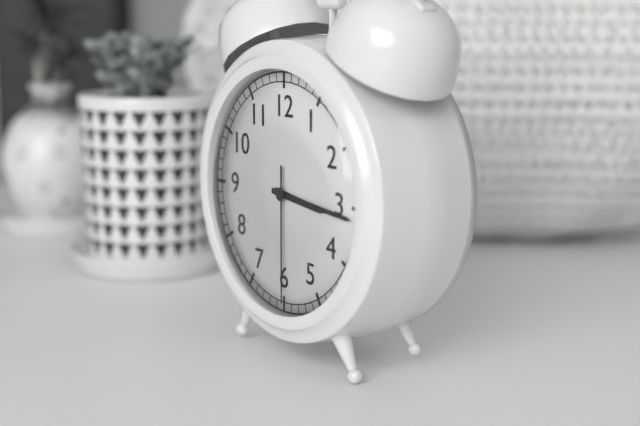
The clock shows **3:16:30**
